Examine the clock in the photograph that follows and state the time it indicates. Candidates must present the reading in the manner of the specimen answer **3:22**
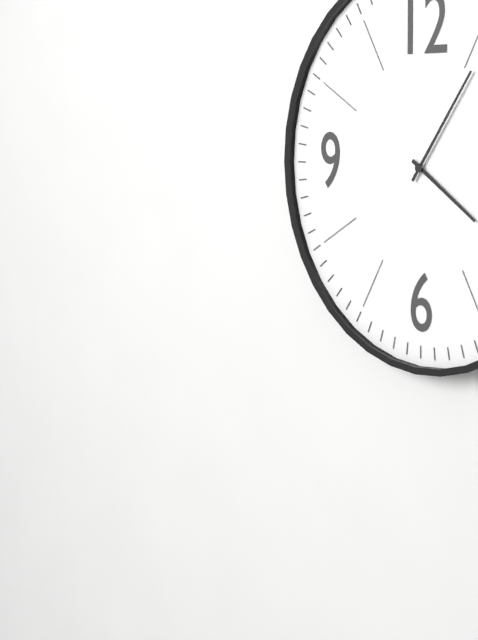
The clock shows **4:06**
